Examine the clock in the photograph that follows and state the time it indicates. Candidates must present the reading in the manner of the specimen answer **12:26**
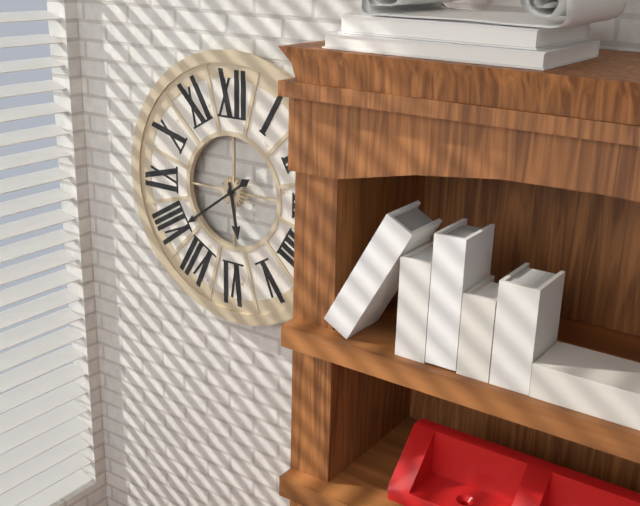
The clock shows **5:39**
